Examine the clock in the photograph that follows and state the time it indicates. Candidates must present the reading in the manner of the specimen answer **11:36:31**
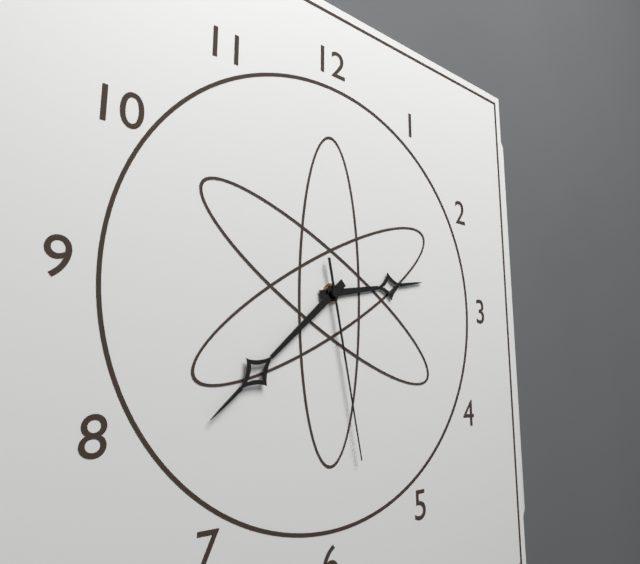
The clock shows **2:38:28**
